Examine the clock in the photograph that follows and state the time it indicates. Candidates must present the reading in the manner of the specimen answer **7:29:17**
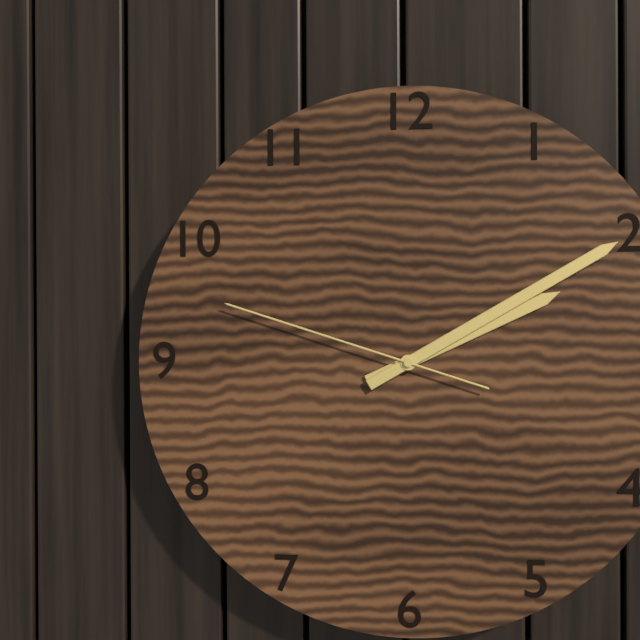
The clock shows **2:10:48**
